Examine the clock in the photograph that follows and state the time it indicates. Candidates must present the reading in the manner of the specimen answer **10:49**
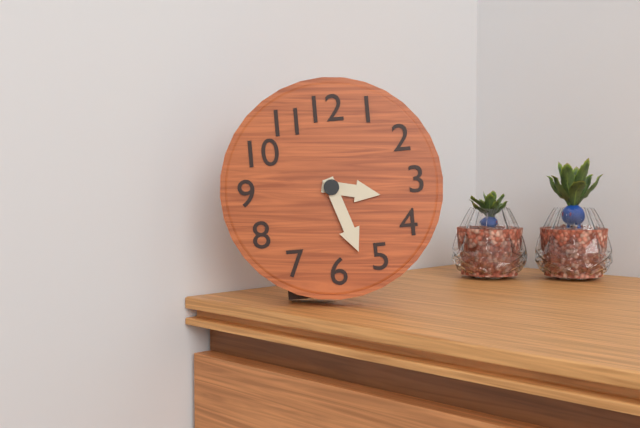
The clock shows **3:27**
